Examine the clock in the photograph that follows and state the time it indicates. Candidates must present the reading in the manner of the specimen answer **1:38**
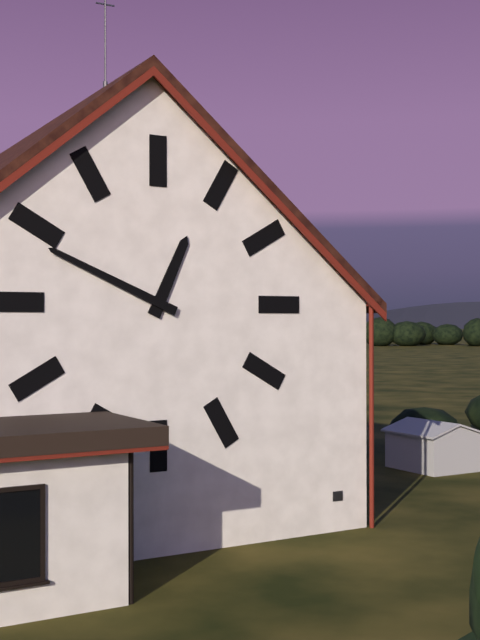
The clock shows **12:49**
